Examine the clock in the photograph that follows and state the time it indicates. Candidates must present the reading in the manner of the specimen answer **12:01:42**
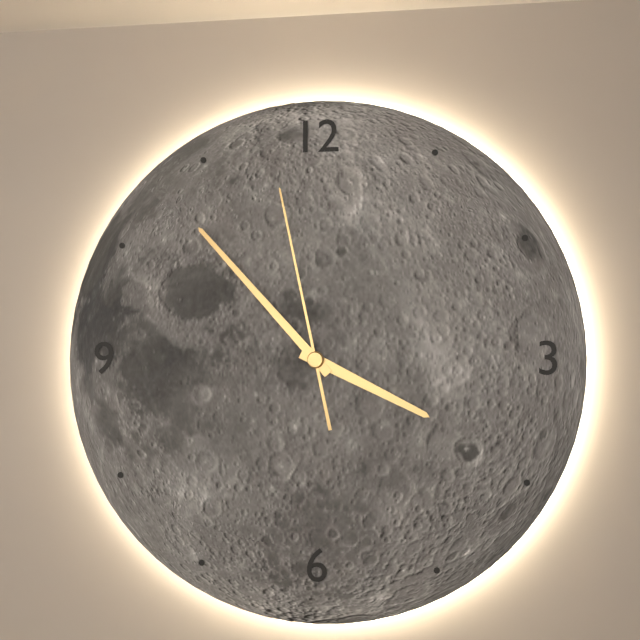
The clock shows **3:53:58**
